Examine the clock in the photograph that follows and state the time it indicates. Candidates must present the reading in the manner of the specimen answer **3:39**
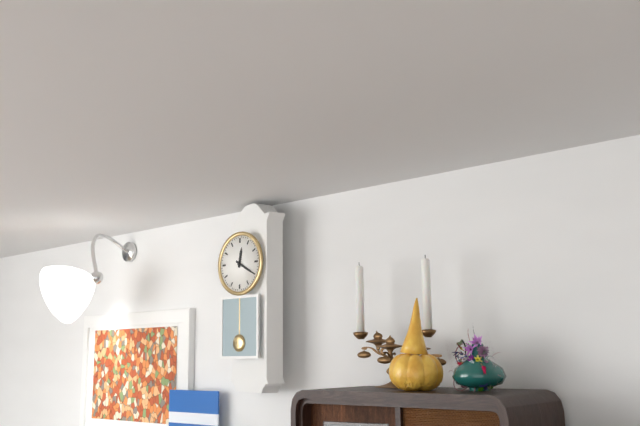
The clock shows **12:20**
